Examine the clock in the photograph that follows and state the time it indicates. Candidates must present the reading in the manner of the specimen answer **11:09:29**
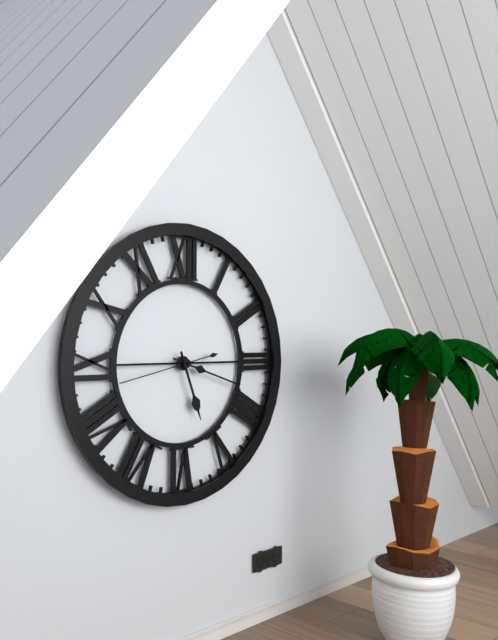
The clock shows **5:18:43**
